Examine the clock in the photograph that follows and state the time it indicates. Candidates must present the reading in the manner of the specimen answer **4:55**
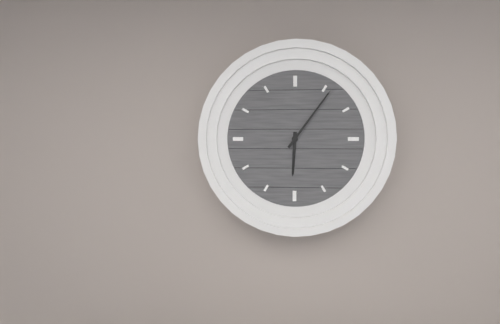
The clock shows **6:06**
